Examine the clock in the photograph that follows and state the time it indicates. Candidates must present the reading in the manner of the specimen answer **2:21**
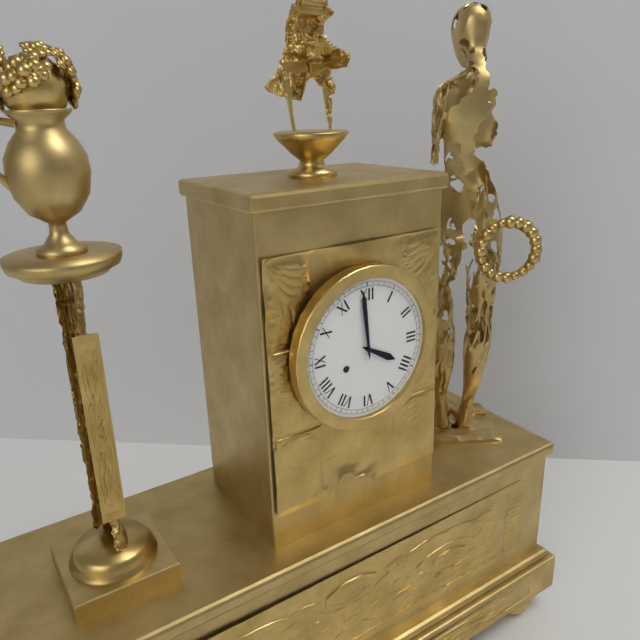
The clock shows **3:59**
